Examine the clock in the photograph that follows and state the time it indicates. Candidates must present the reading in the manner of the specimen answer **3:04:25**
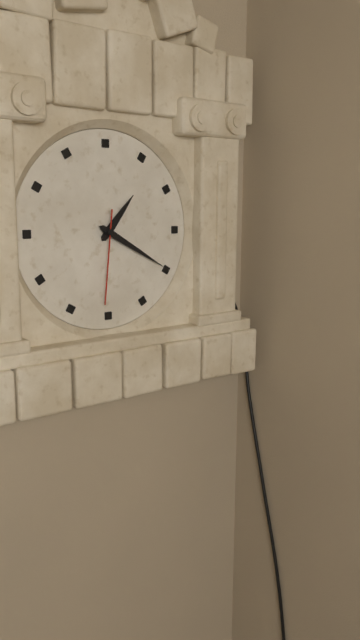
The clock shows **1:20:31**
